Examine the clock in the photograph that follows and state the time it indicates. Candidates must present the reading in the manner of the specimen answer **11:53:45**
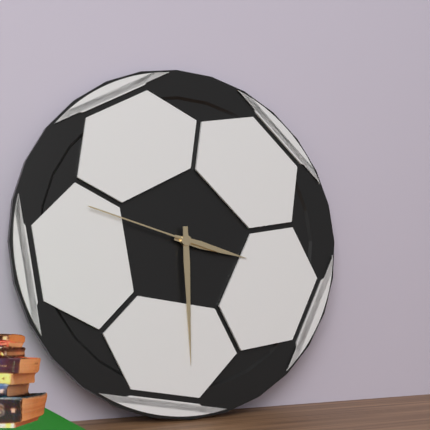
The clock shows **3:30:48**
